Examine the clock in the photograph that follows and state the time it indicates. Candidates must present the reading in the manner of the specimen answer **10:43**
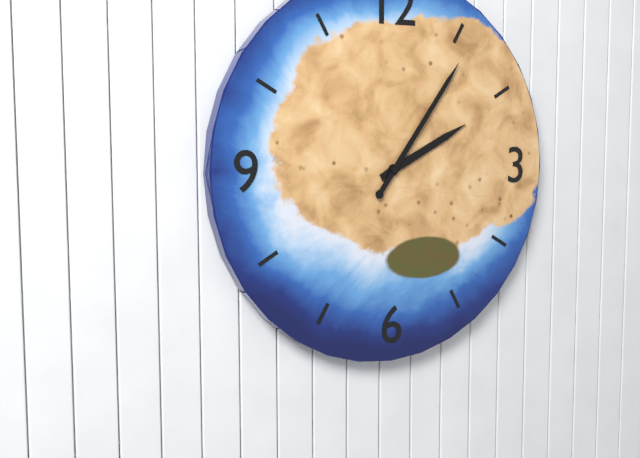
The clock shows **2:06**
